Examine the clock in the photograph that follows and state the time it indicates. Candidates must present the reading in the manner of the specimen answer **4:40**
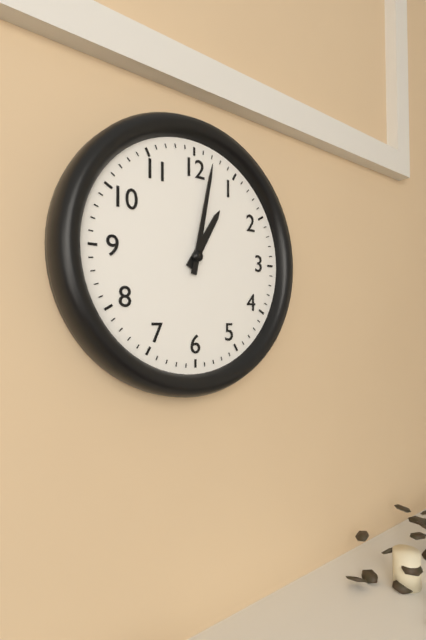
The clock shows **1:02**
